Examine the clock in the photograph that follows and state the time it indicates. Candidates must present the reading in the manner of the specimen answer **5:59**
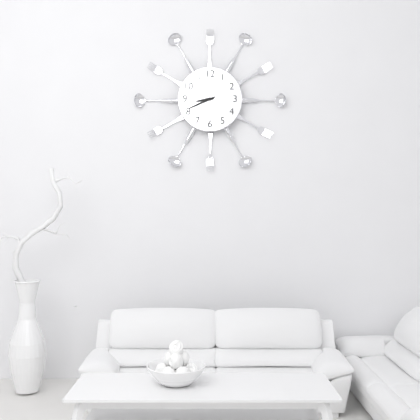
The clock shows **8:41**
